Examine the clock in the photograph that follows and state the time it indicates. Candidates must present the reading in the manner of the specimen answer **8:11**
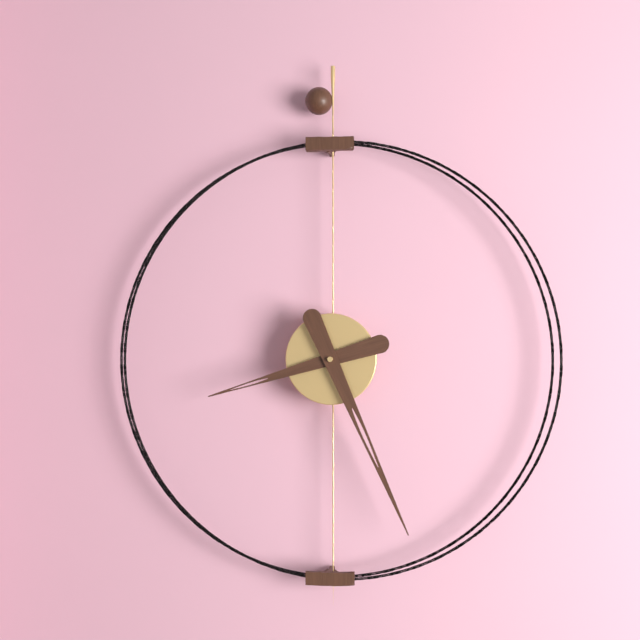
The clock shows **8:26**
